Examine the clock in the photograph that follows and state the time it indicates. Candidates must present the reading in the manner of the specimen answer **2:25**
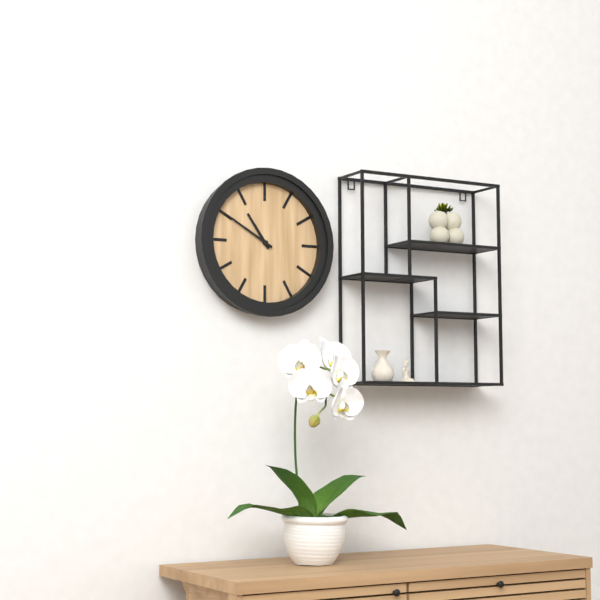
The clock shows **10:50**
